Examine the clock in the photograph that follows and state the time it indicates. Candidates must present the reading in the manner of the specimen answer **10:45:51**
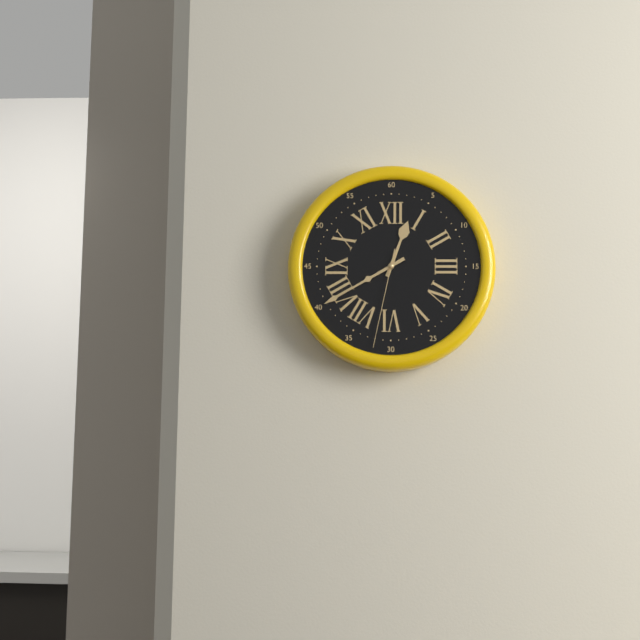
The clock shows **12:40:32**
